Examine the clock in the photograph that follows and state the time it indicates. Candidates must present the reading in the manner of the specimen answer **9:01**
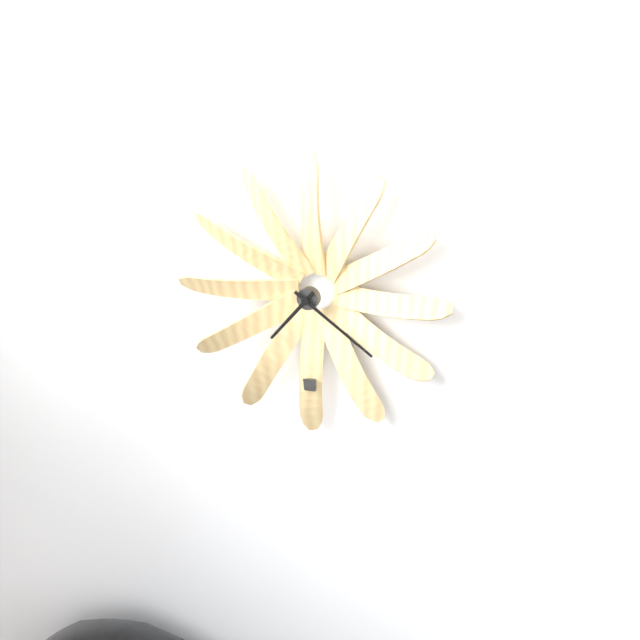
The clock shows **7:21**
